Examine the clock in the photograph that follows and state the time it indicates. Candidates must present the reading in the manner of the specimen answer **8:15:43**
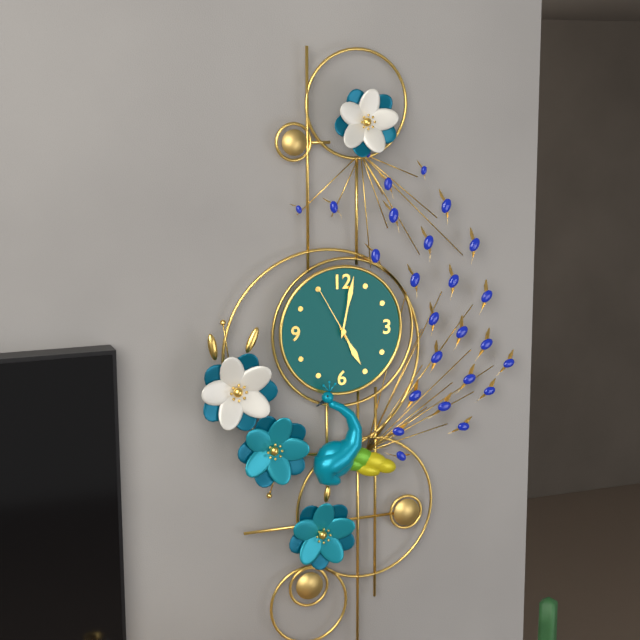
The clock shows **5:02:55**
